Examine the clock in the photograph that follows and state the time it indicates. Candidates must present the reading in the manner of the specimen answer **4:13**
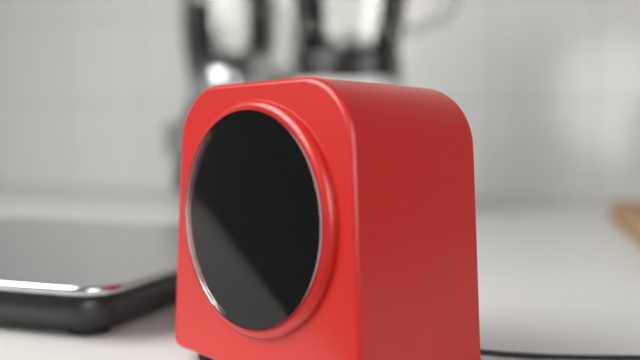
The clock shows **9:20**
